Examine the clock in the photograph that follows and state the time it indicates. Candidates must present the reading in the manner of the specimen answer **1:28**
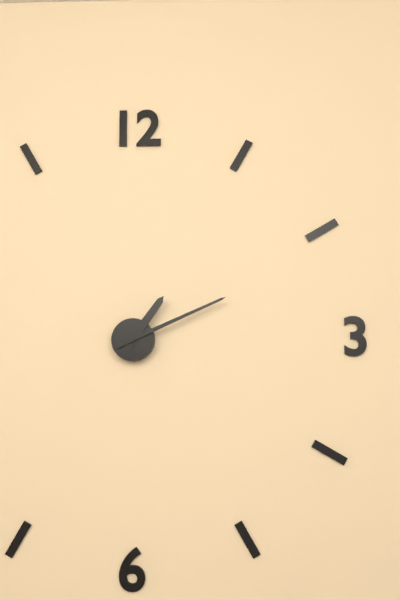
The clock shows **1:11**
